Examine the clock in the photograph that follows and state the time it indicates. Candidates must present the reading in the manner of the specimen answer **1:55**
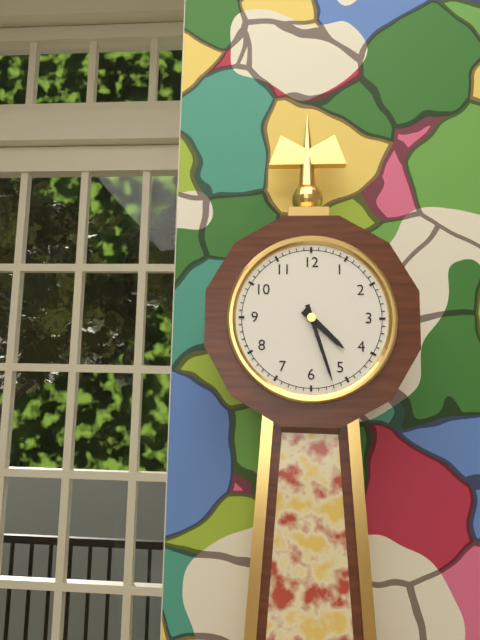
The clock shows **4:27**
